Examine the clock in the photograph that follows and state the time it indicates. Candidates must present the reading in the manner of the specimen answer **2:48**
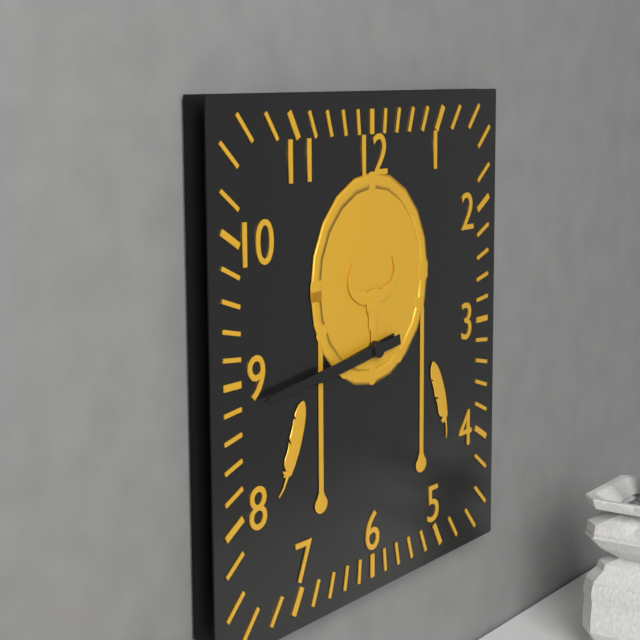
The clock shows **8:44**
